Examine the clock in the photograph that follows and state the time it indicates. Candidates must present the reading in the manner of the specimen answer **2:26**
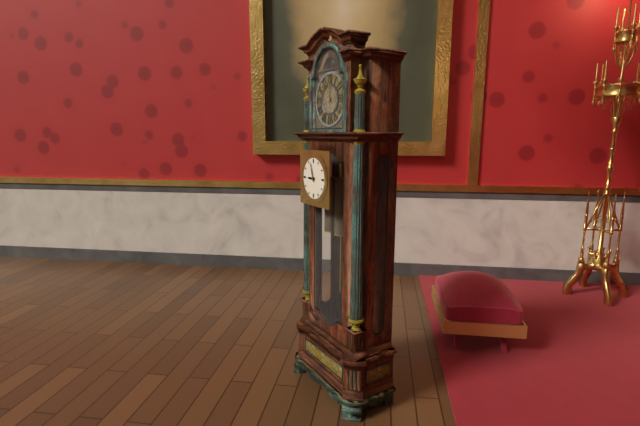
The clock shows **8:57**
